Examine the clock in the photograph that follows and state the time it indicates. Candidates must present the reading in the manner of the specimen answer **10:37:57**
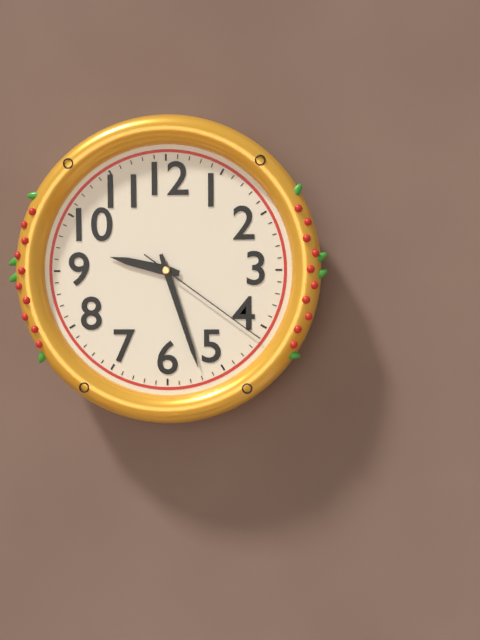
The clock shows **9:27:21**
